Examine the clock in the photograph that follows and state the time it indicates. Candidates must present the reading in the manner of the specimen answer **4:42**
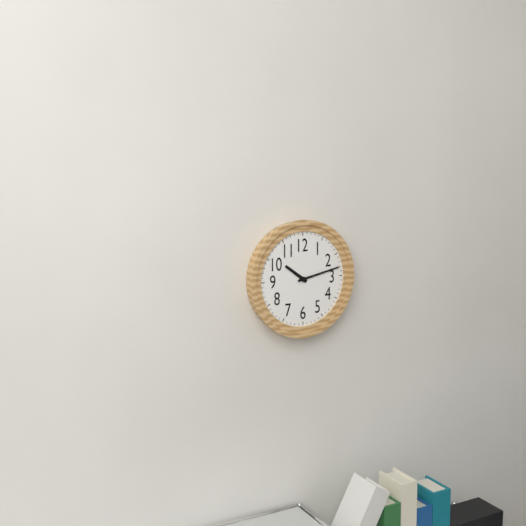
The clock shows **10:13**
